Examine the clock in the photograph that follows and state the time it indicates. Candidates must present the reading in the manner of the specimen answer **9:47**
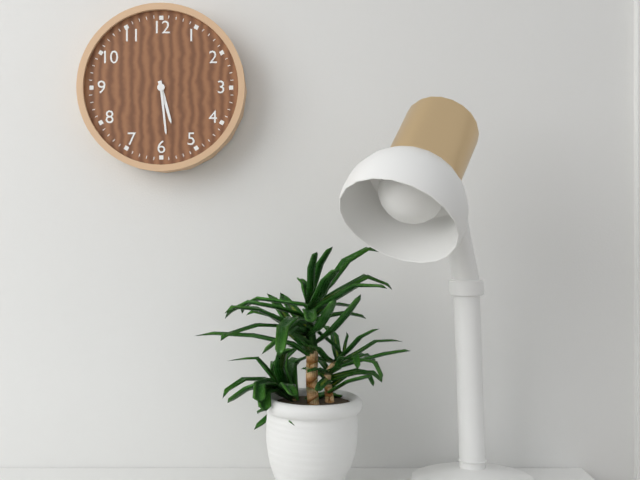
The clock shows **5:29**
